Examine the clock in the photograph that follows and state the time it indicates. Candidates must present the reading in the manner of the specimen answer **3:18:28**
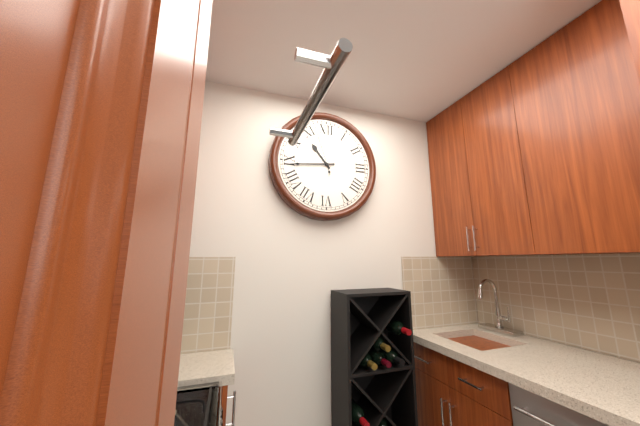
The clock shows **10:44:57**
